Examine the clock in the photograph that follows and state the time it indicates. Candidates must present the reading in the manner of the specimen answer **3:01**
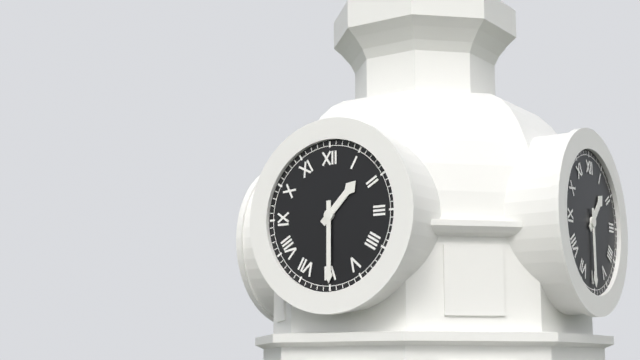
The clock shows **1:30**
